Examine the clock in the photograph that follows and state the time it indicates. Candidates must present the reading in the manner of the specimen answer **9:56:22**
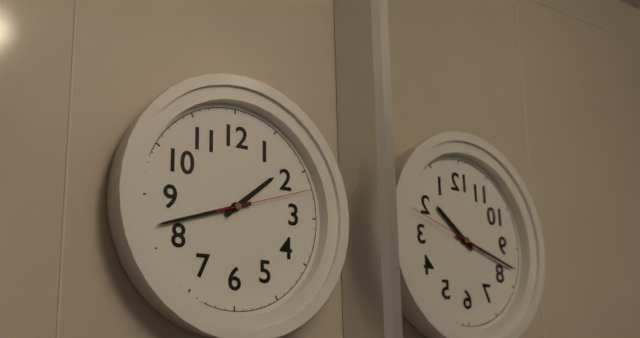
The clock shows **1:42:12**
